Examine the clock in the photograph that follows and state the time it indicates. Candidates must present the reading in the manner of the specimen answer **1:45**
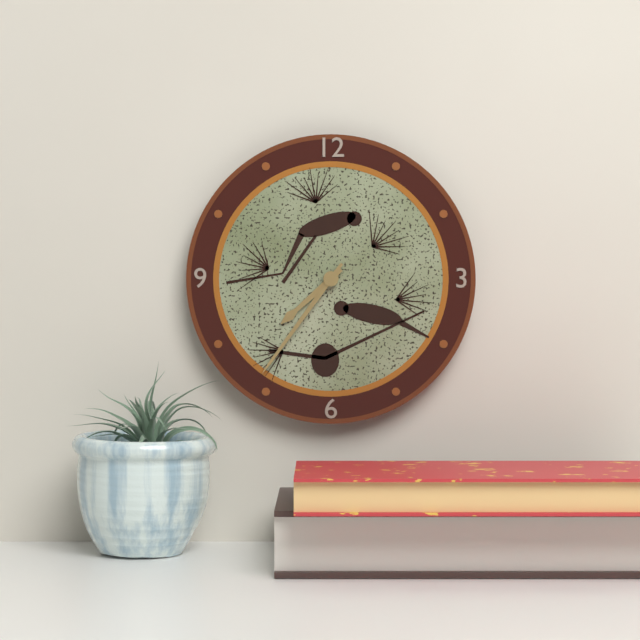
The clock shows **7:36**
